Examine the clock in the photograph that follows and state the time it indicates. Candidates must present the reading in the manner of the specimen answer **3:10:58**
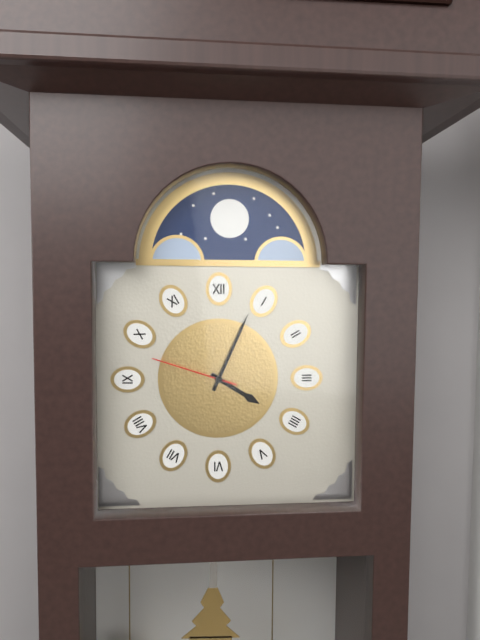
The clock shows **4:04:48**
